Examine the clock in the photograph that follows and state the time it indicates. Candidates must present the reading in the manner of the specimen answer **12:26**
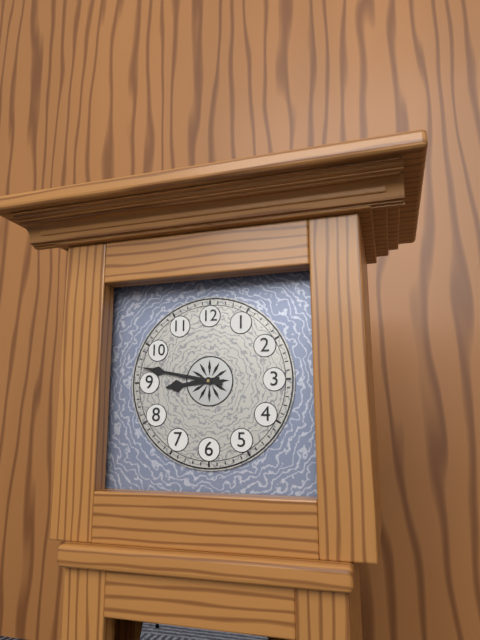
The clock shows **8:47**
